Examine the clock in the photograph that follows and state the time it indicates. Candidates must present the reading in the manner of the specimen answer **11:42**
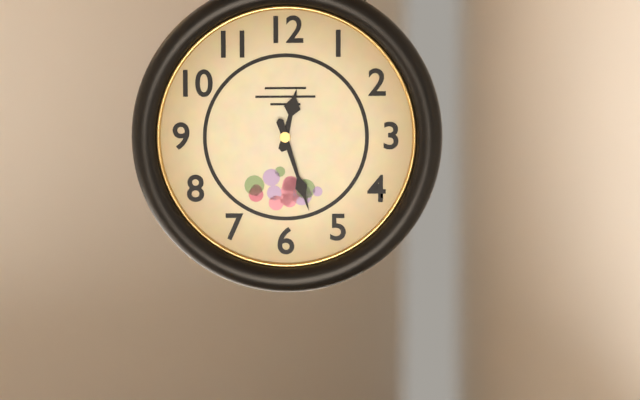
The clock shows **12:27**
